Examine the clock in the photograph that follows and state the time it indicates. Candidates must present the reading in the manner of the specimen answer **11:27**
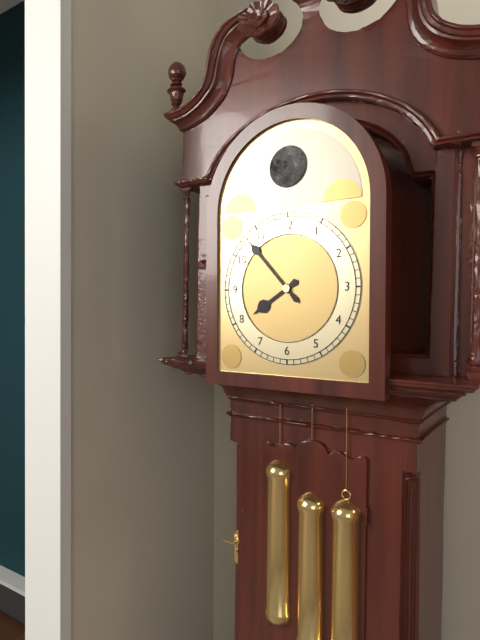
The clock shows **7:53**
